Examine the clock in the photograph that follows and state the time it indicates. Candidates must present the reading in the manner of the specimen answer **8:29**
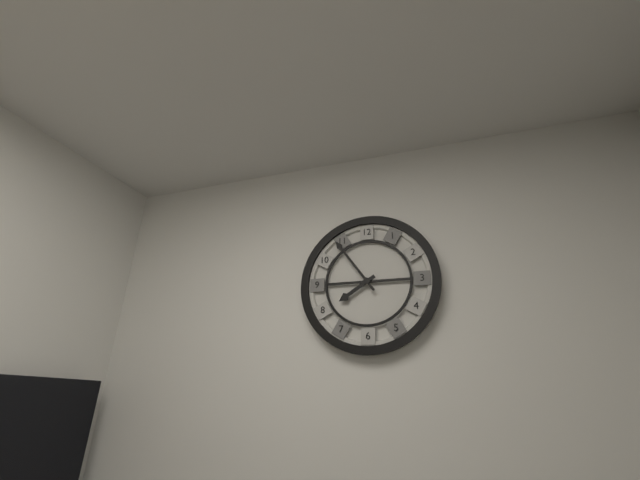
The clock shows **7:54**
